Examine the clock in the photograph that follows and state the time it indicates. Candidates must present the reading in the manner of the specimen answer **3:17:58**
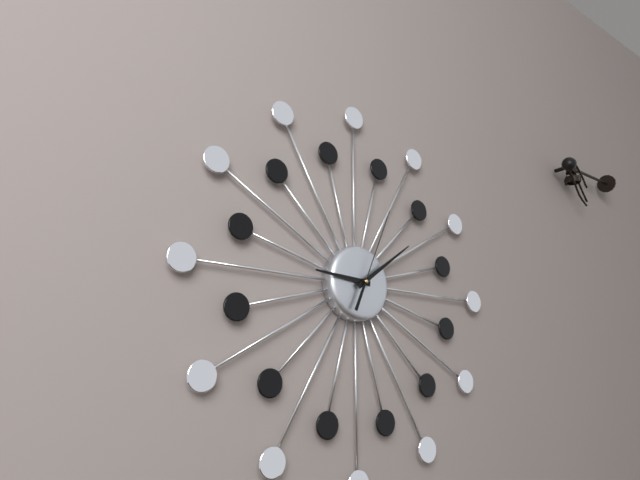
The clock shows **9:09:04**
